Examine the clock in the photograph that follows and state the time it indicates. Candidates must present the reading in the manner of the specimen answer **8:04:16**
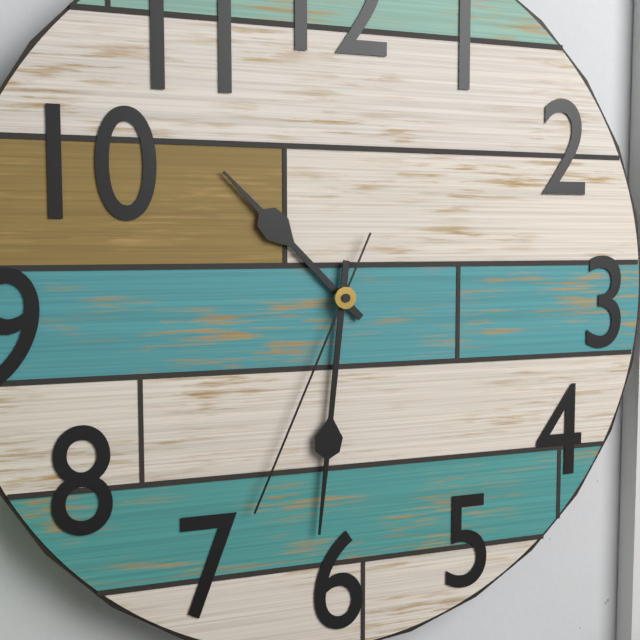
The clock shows **10:31:34**
